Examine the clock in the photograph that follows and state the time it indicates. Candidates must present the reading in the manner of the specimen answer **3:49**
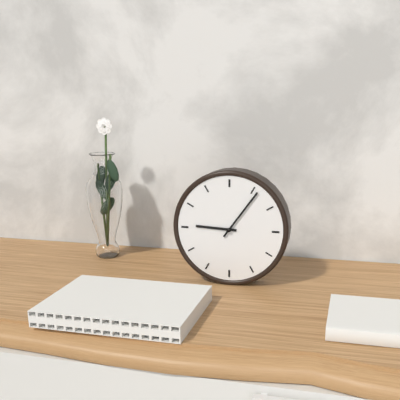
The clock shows **9:06**
